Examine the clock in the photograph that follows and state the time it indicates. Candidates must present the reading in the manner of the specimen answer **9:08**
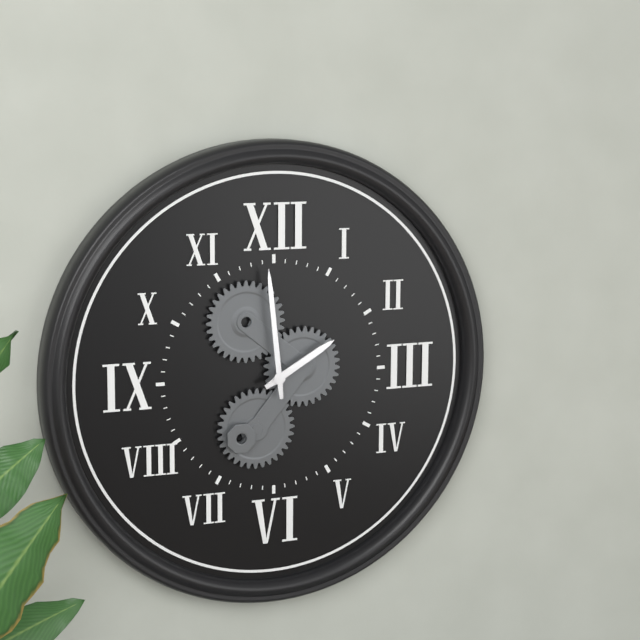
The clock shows **1:59**
